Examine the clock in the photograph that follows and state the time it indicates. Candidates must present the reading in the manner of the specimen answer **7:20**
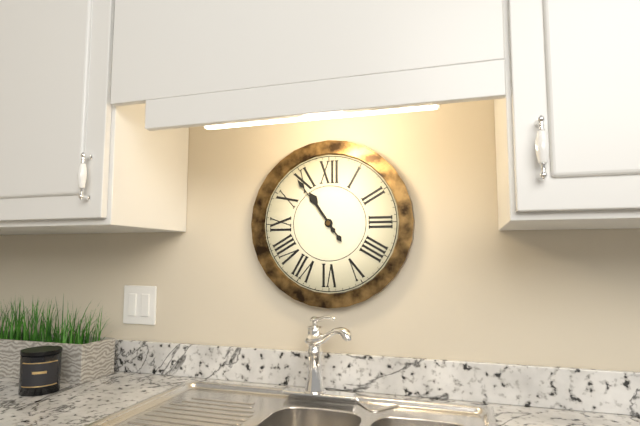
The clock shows **10:54**
